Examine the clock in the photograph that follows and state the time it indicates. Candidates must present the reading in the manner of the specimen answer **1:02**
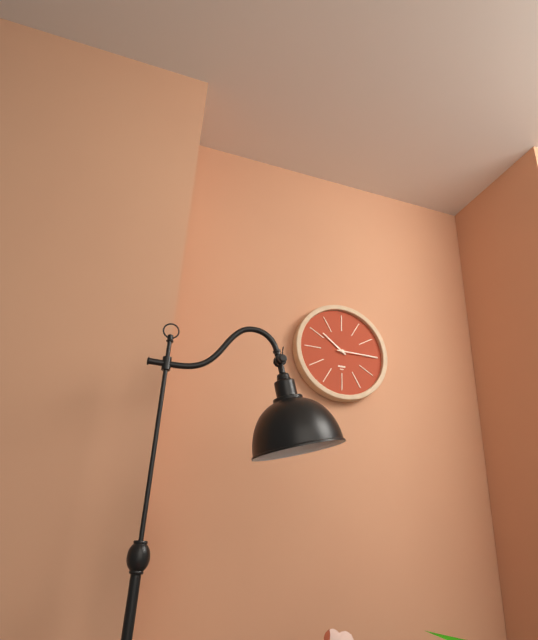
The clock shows **10:15**
